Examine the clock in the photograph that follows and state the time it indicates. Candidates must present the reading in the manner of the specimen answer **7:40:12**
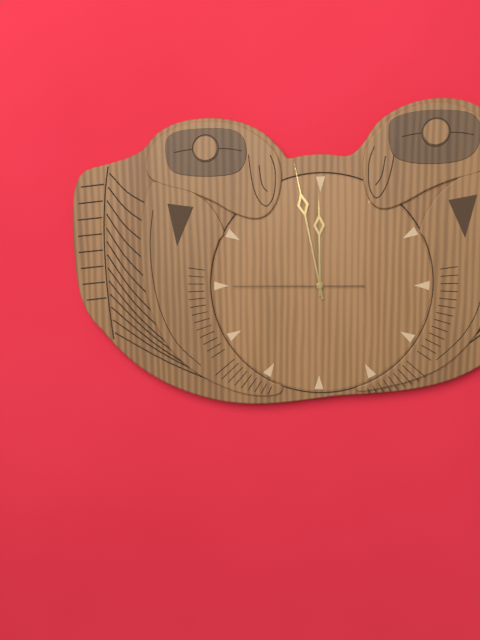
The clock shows **11:58:45**
